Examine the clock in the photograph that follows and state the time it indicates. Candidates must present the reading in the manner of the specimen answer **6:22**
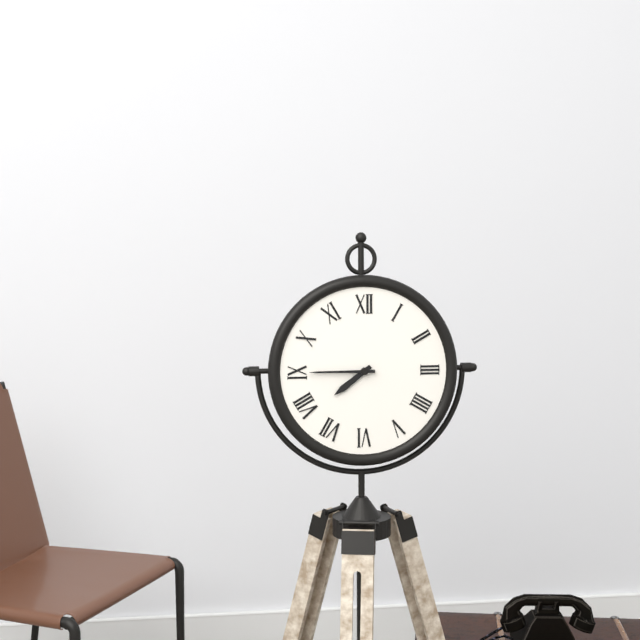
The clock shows **7:45**
